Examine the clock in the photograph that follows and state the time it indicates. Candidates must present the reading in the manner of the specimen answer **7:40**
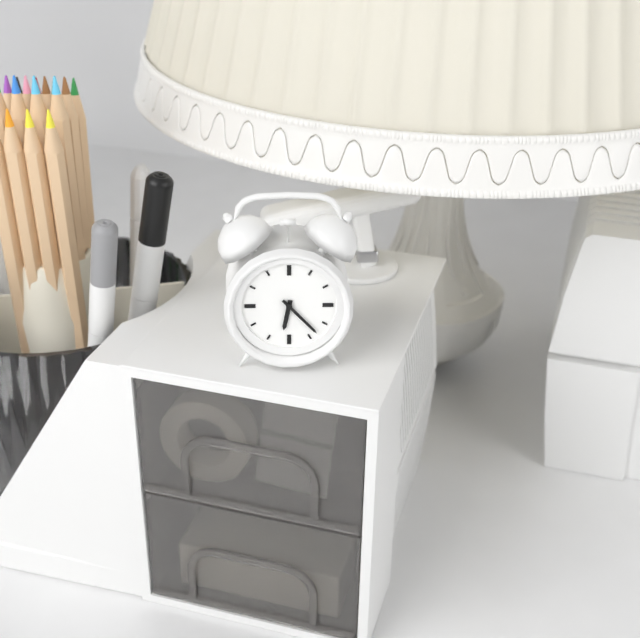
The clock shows **6:23**
